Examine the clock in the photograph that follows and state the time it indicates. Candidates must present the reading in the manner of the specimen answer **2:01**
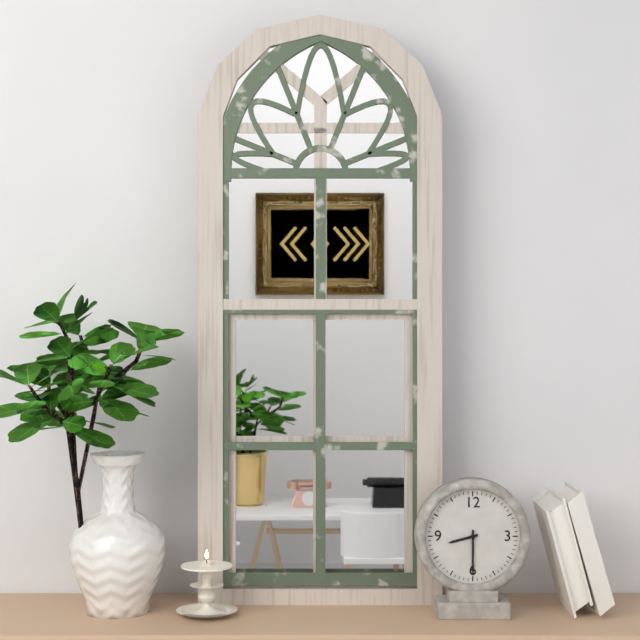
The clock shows **8:30**
